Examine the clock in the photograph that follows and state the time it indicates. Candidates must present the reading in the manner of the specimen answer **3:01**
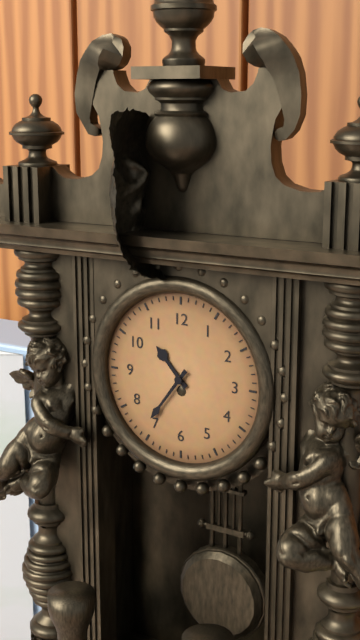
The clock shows **10:36**
